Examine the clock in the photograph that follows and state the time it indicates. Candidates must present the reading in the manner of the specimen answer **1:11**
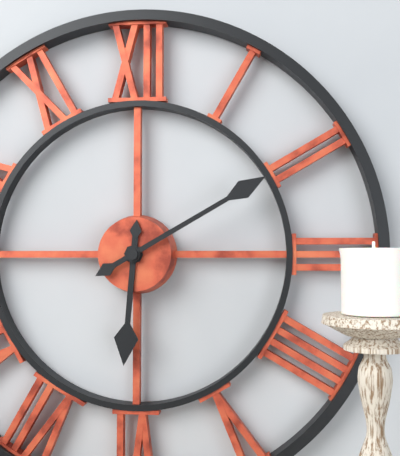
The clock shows **6:10**
